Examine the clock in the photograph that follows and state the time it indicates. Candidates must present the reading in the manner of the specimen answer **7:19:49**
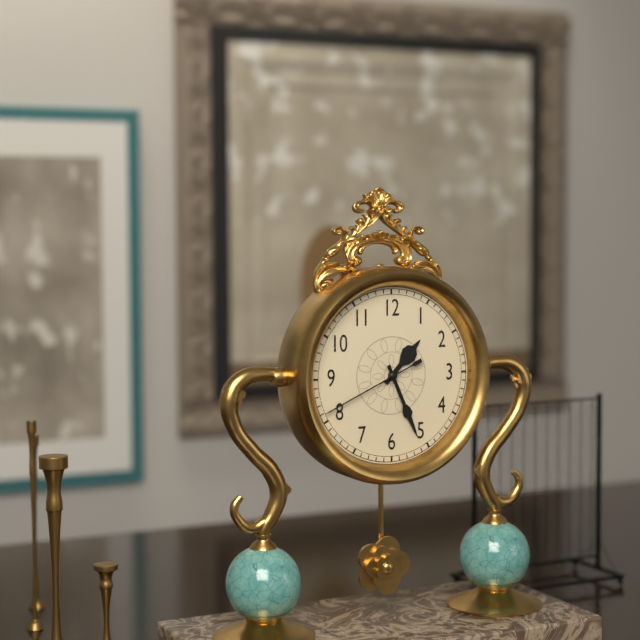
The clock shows **1:26:41**
